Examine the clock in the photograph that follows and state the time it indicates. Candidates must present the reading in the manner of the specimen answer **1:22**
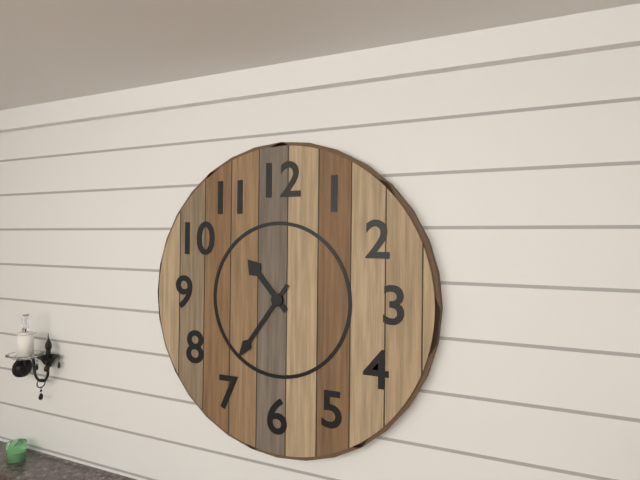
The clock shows **10:36**
